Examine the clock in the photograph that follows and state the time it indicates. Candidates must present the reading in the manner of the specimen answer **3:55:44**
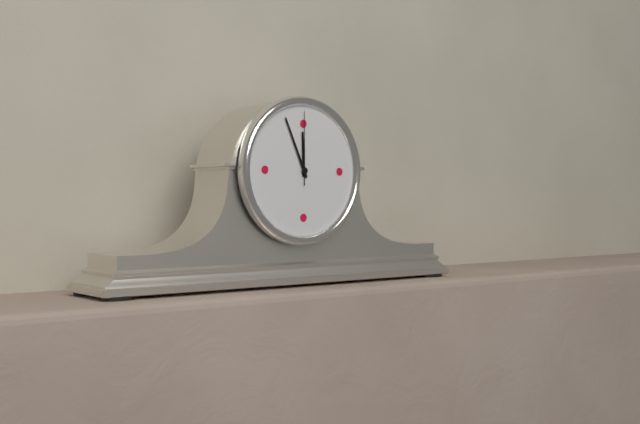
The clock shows **11:56:00**
